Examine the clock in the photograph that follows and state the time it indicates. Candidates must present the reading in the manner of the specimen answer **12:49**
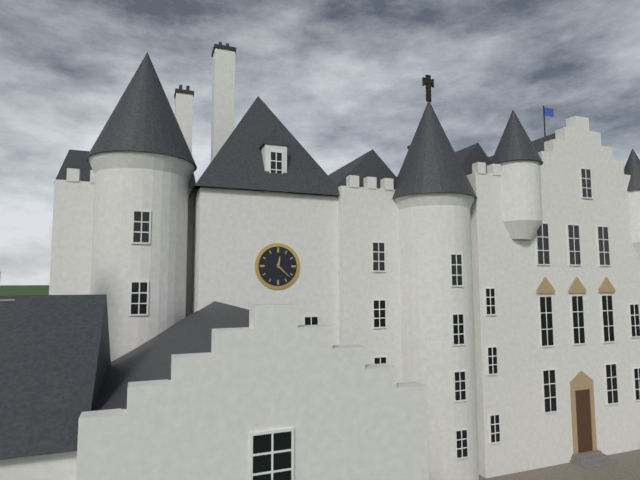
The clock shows **12:22**
